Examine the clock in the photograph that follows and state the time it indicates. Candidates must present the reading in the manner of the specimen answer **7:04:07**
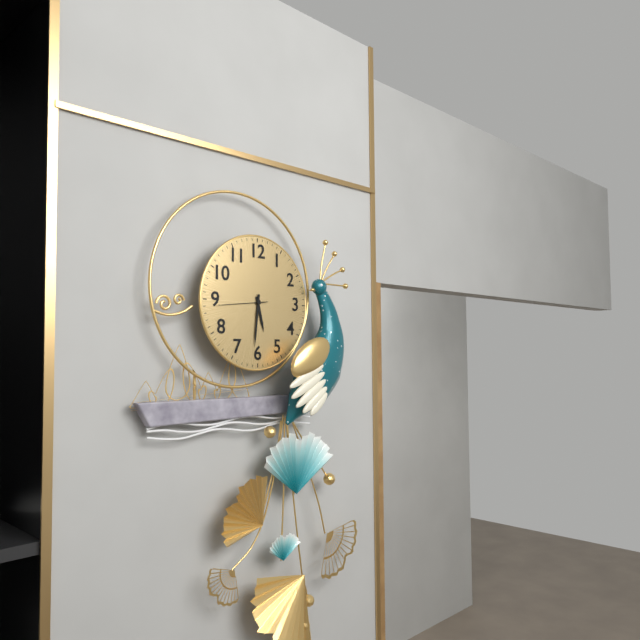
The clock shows **5:31:44**
